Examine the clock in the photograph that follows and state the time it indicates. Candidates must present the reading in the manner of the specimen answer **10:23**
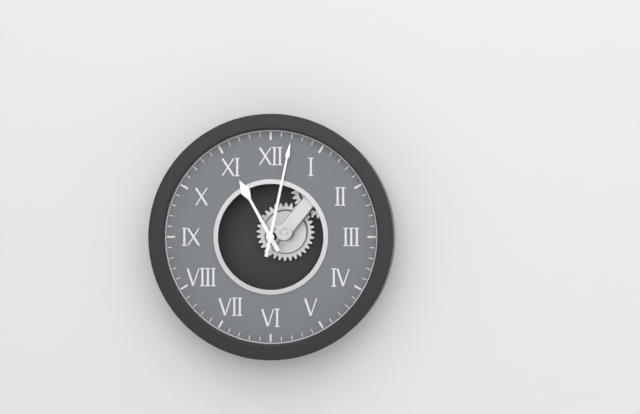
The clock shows **11:02**
